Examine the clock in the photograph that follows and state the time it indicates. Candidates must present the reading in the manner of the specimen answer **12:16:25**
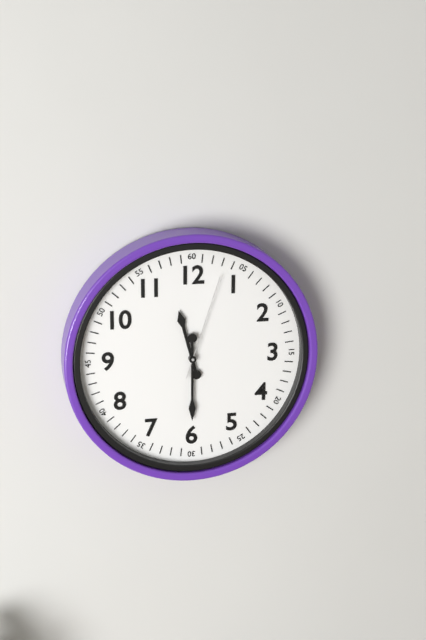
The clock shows **11:30:03**
